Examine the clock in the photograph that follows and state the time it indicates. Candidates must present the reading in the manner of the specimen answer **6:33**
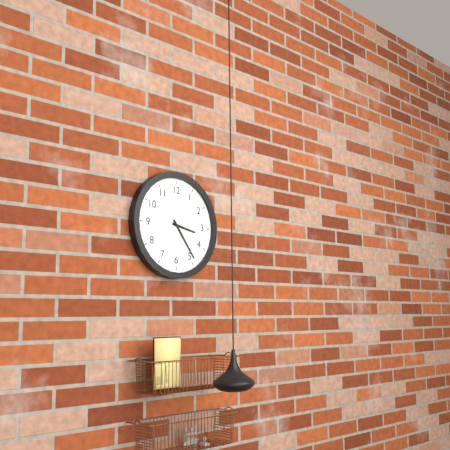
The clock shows **3:24**
